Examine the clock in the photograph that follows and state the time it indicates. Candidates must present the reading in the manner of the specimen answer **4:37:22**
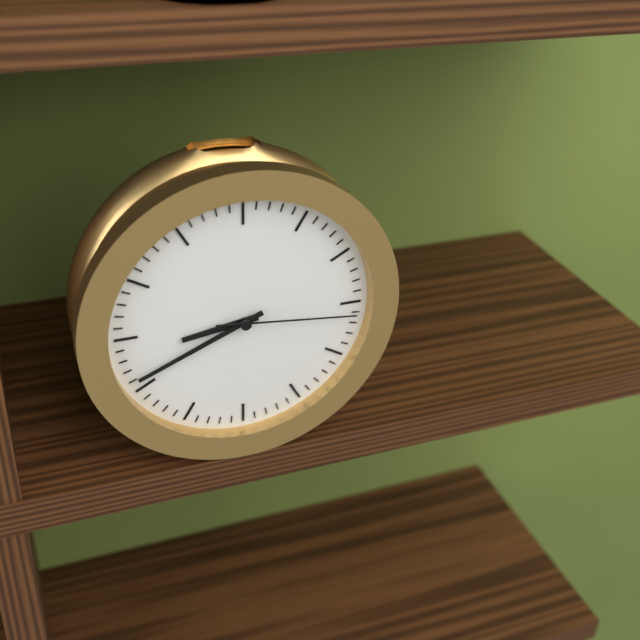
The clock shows **8:41:16**
